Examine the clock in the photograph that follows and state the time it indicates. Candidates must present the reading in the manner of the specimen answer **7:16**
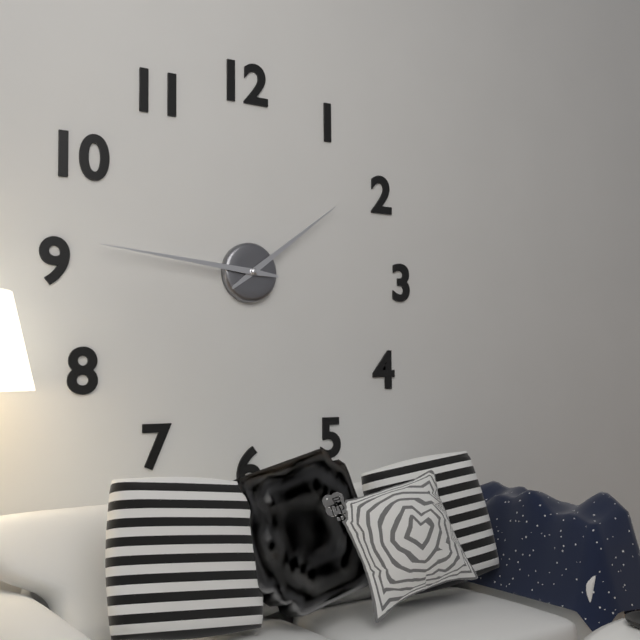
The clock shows **1:46**
